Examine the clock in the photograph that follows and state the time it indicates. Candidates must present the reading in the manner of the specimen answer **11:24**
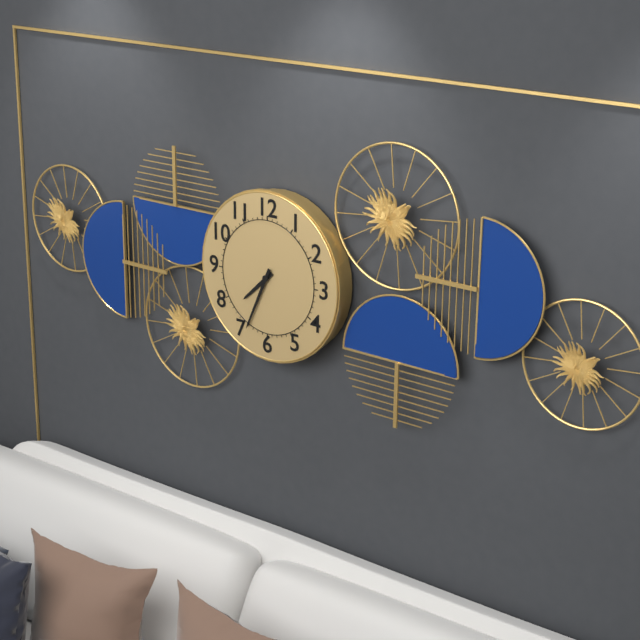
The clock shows **7:34**
